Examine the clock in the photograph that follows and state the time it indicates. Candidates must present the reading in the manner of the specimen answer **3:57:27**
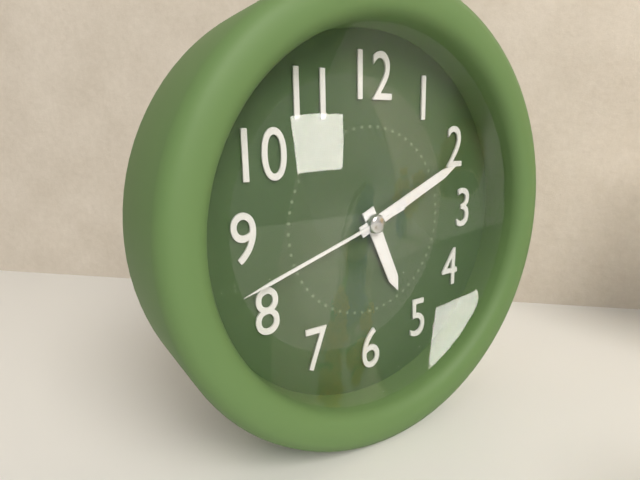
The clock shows **5:11:42**
